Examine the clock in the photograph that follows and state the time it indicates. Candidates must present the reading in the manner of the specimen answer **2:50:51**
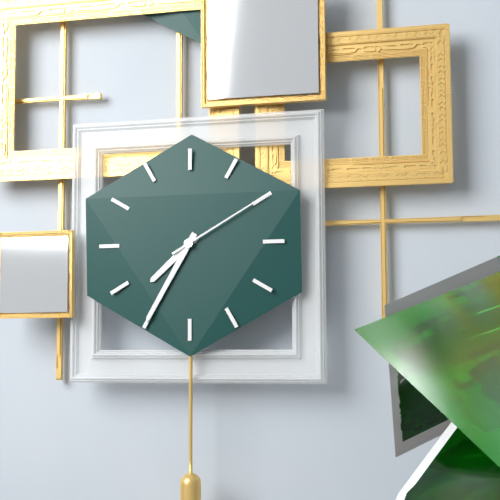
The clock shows **7:35:10**
